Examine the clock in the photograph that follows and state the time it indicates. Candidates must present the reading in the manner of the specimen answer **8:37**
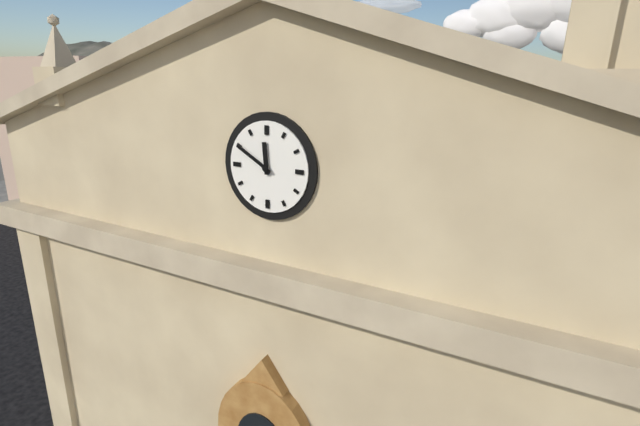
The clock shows **11:50**
